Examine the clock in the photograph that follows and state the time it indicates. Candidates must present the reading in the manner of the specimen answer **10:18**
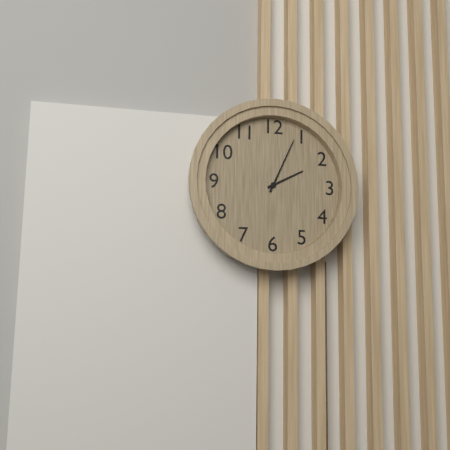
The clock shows **2:04**
